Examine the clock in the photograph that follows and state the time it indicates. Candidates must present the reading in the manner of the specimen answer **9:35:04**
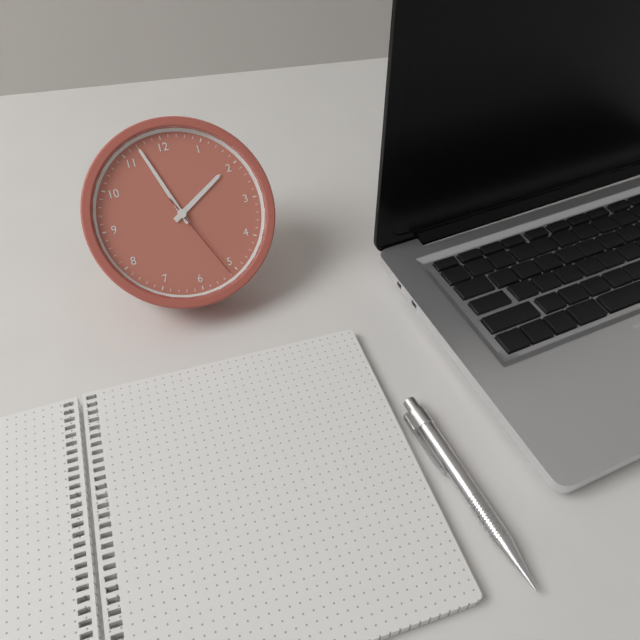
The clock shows **1:57:26**
